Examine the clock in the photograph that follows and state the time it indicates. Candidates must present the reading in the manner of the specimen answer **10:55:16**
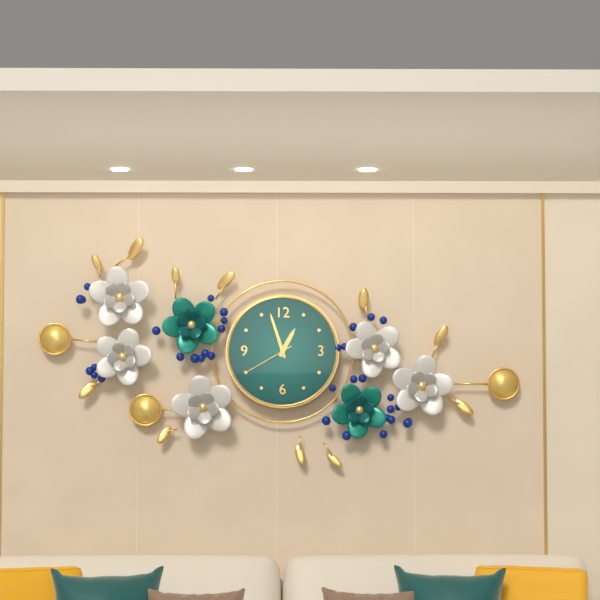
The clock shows **12:57:40**
